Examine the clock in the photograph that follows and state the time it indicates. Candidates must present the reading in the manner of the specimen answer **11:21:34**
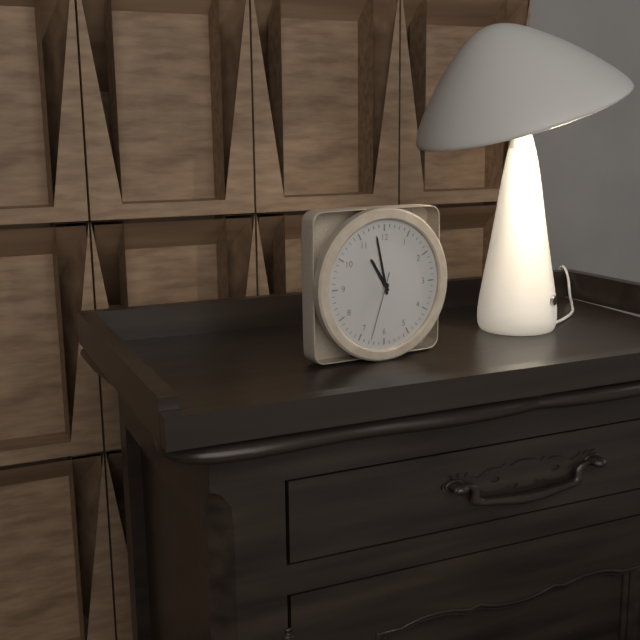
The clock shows **10:58:33**
